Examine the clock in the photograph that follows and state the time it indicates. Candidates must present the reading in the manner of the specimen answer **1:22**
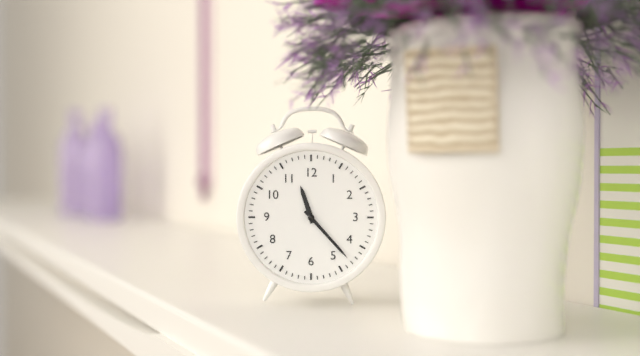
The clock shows **11:23**
